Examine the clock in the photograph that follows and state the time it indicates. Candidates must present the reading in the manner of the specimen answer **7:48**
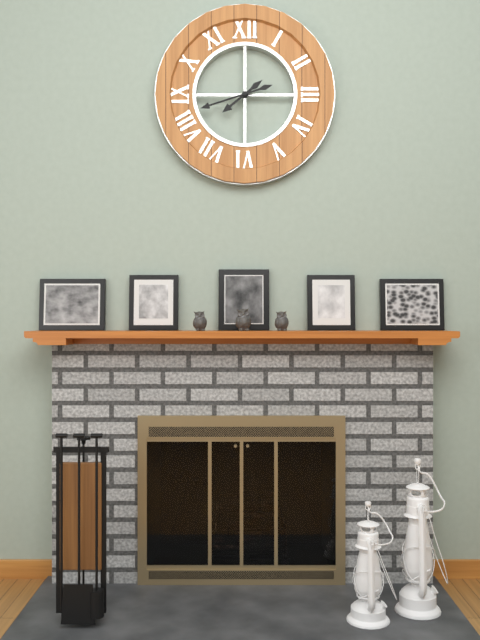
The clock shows **7:42**
